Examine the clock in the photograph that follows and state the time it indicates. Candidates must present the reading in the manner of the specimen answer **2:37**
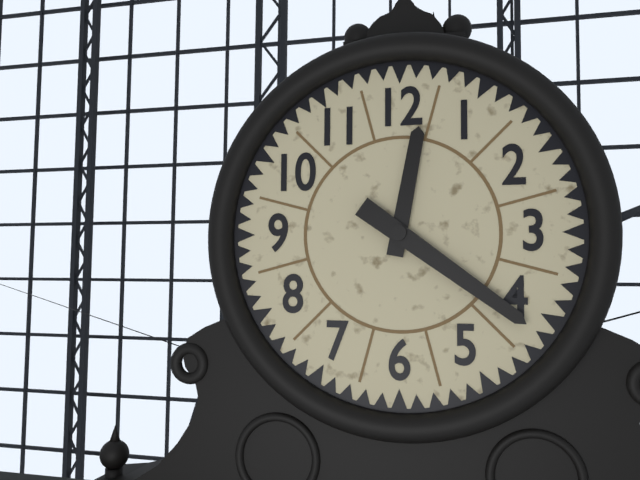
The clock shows **12:21**
